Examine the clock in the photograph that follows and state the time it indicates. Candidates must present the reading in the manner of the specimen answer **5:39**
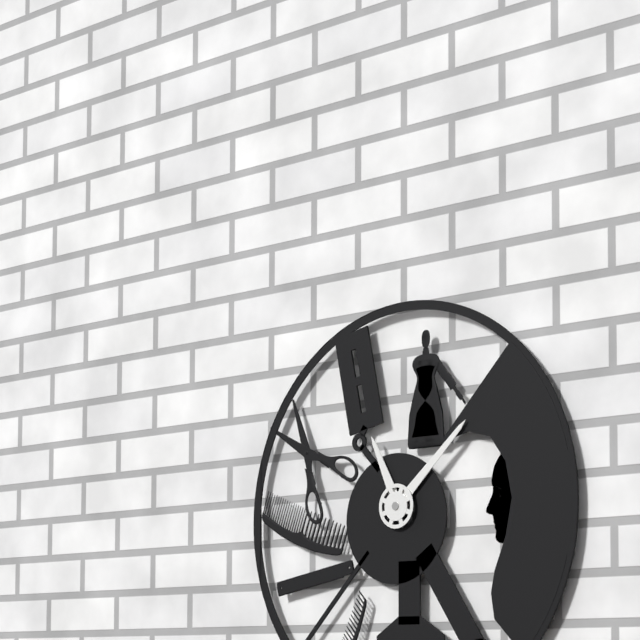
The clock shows **11:08**
